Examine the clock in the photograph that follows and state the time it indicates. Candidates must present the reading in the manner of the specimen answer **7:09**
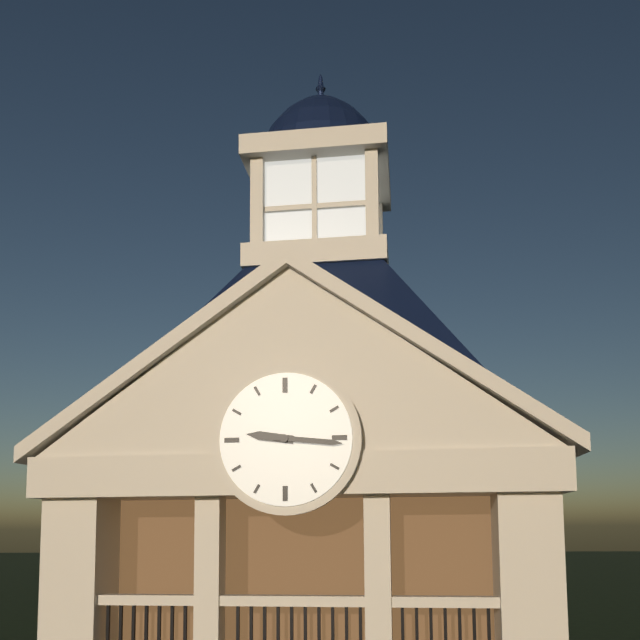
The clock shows **9:16**
